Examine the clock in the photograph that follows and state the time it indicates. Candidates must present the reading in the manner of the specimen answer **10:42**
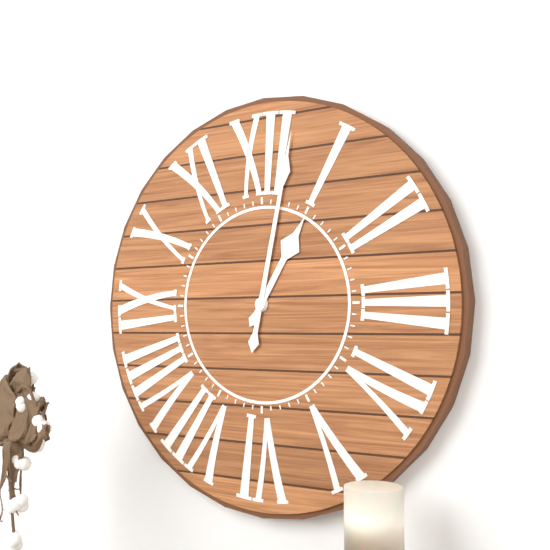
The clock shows **1:02**
